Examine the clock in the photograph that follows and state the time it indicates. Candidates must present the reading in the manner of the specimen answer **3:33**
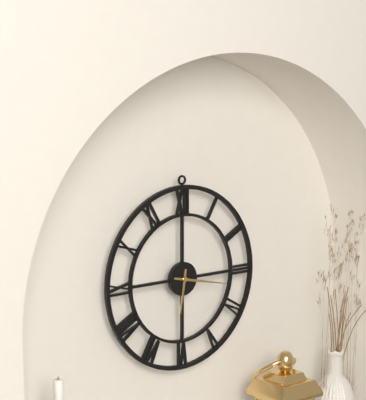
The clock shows **6:17**
